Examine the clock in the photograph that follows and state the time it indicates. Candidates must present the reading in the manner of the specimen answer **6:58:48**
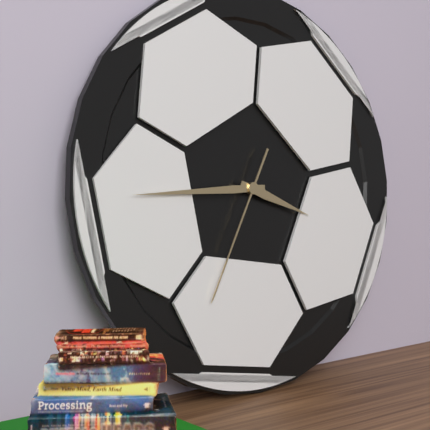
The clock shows **3:45:35**
